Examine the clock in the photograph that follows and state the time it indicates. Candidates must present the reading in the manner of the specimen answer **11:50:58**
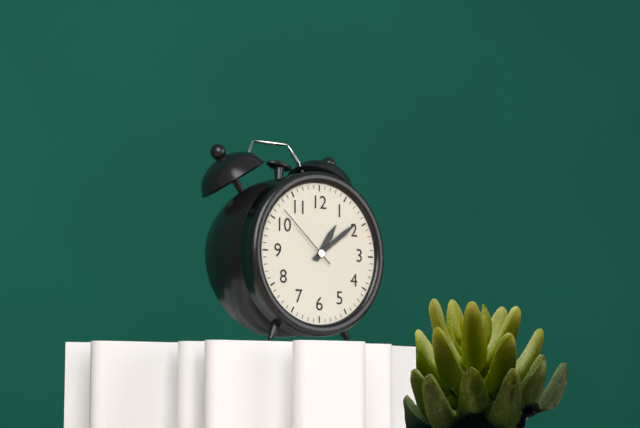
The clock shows **1:09:52**
